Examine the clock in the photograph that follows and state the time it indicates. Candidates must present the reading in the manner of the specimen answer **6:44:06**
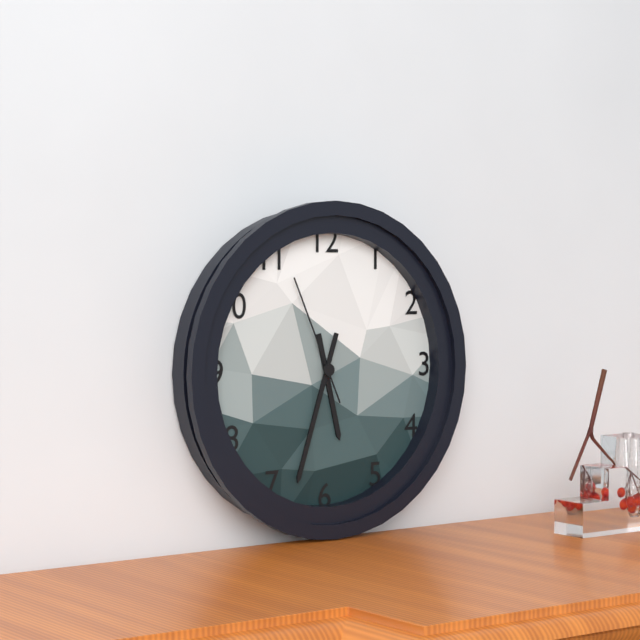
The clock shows **5:33:56**
